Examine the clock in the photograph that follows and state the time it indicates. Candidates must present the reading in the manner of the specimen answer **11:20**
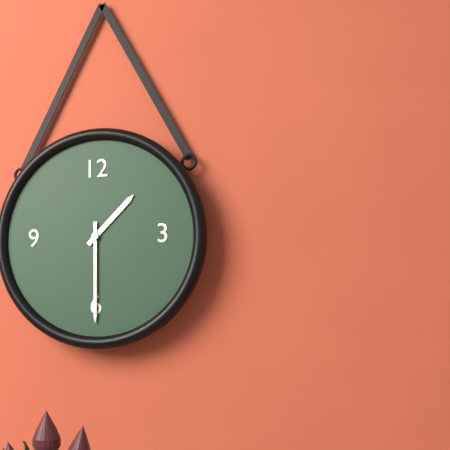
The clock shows **1:30**
